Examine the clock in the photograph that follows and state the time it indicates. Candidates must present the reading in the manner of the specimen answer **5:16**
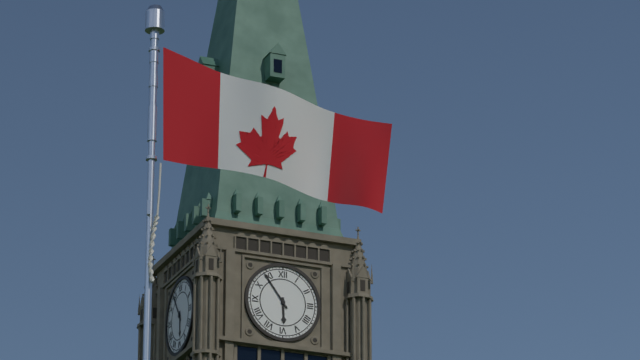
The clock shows **5:54**
